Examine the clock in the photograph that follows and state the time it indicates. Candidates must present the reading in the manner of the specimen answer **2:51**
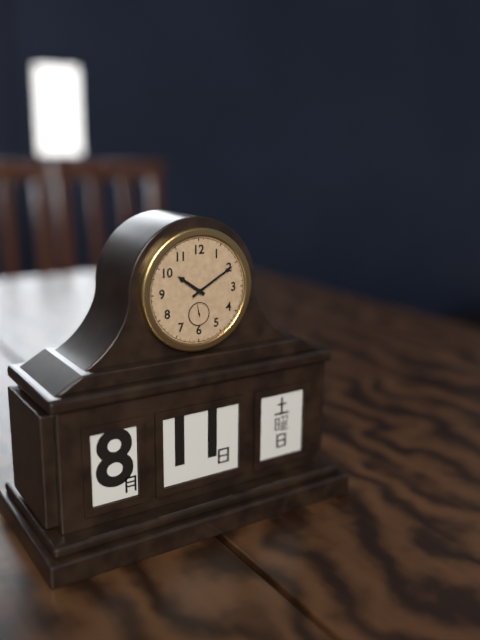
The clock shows **10:10**
